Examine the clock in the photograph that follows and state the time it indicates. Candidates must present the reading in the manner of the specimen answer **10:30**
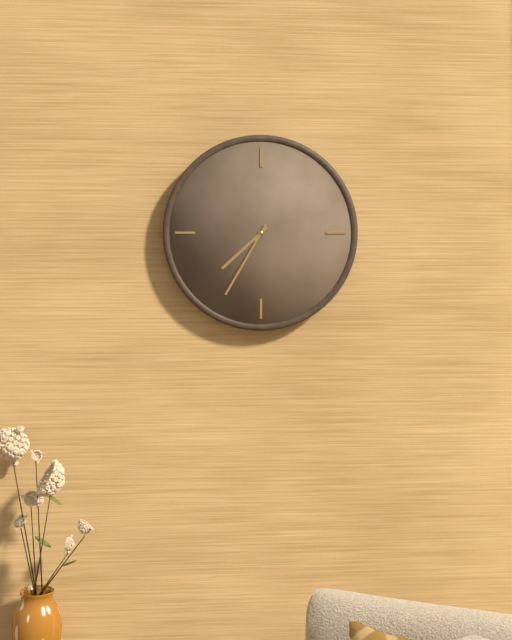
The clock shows **7:35**
